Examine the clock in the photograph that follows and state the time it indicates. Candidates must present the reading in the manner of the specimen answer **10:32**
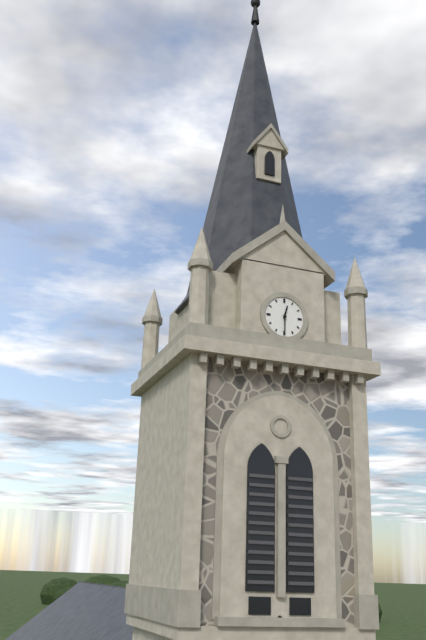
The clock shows **12:30**
